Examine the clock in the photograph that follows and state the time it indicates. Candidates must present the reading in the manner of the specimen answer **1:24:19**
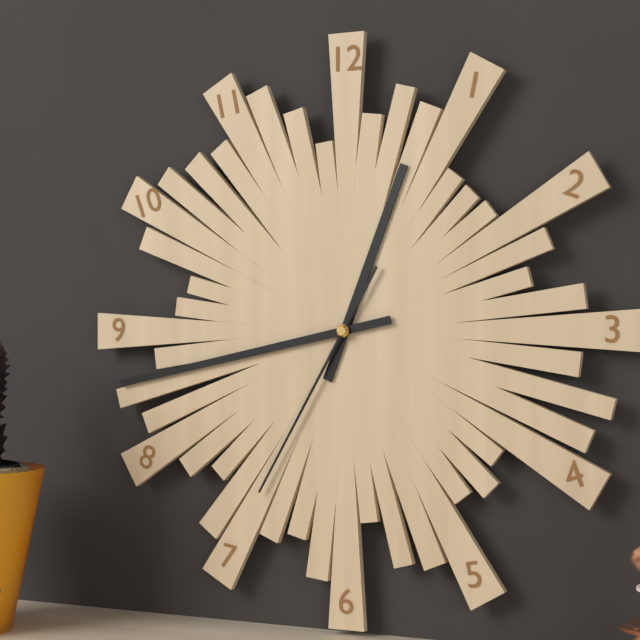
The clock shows **12:43:35**
